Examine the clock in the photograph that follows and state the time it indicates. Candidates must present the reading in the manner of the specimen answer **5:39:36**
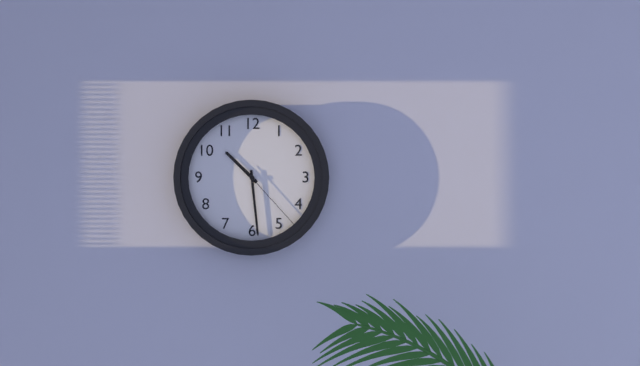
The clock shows **10:29:23**
